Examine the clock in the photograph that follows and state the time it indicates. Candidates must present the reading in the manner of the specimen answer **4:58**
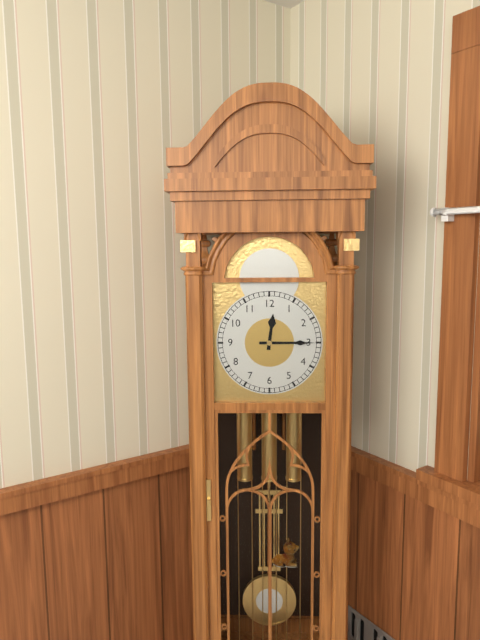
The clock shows **12:15**
